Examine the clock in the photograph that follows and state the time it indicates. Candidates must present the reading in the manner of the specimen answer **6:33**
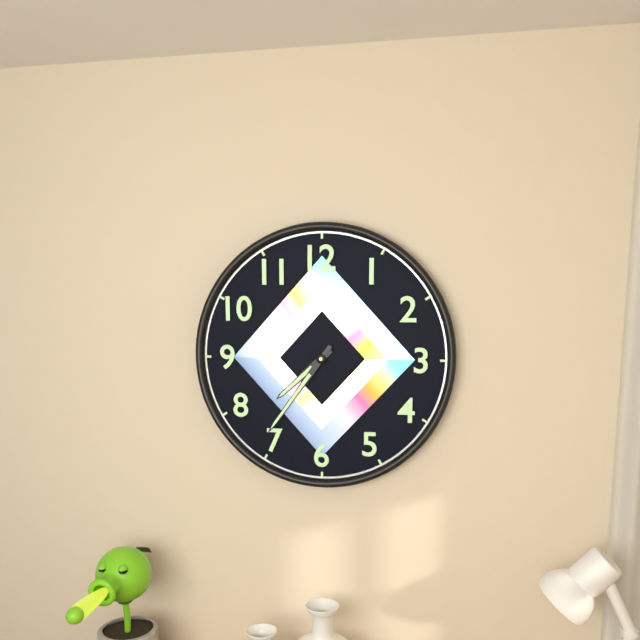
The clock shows **7:36**
